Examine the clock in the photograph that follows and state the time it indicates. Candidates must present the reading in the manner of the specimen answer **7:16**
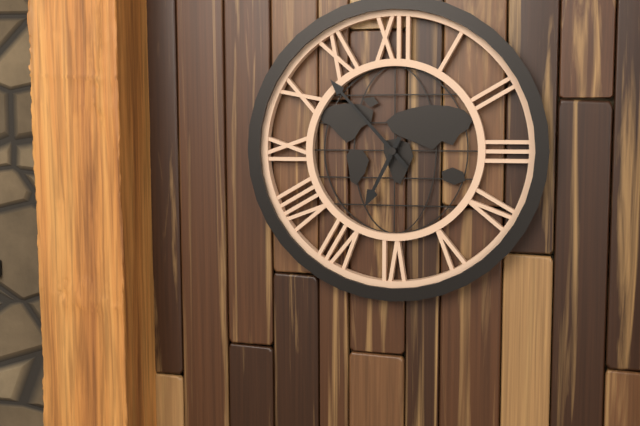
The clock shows **6:53**
